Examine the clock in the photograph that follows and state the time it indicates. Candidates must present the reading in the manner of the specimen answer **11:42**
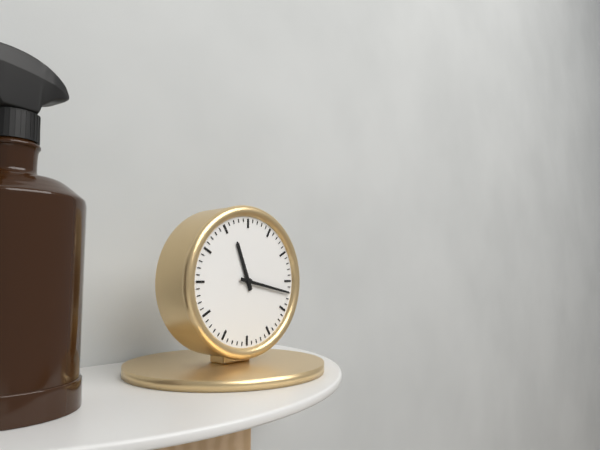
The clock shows **11:17**
